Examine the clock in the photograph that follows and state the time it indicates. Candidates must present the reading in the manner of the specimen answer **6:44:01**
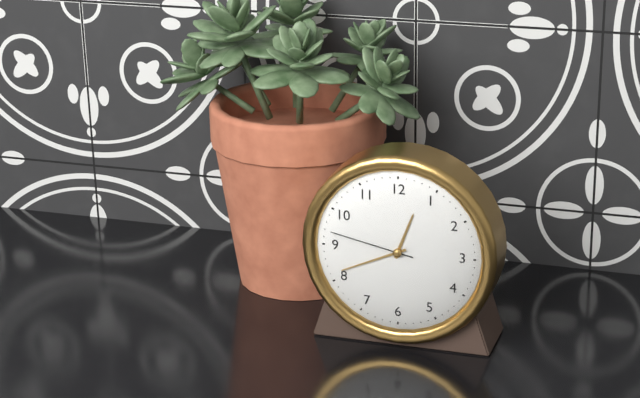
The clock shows **12:41:47**
